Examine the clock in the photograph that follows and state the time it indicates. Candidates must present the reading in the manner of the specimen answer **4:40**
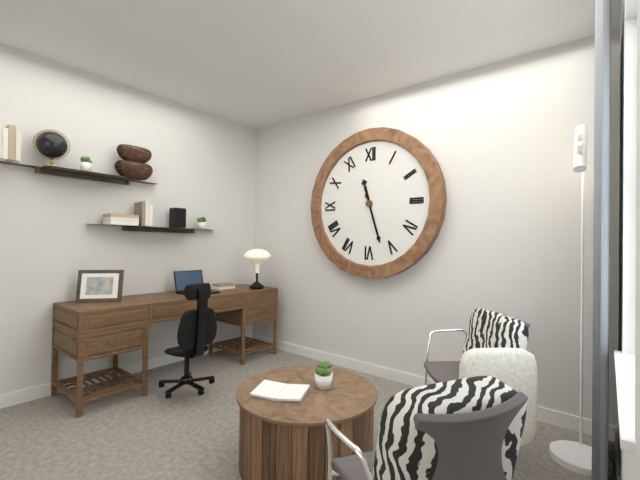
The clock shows **11:27**
